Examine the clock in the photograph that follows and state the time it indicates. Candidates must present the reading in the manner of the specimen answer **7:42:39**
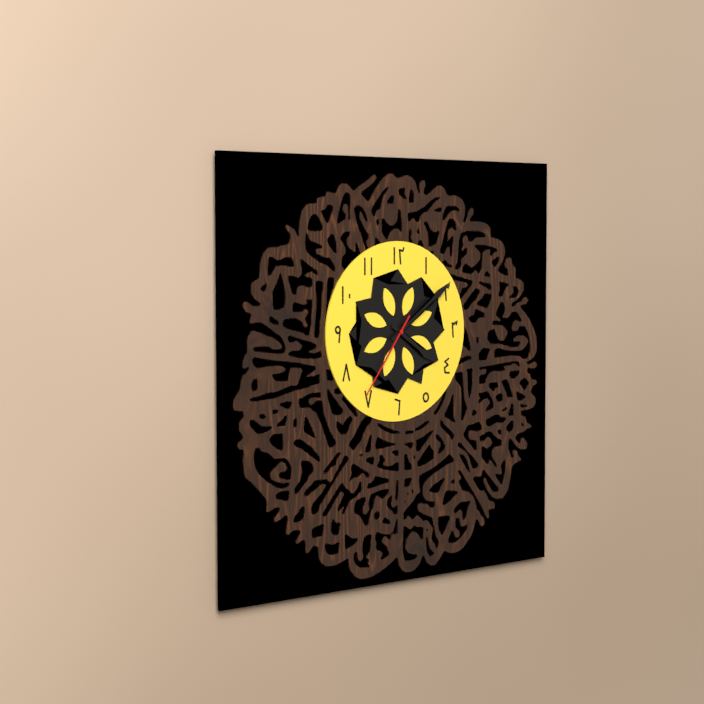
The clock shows **4:09:36**
